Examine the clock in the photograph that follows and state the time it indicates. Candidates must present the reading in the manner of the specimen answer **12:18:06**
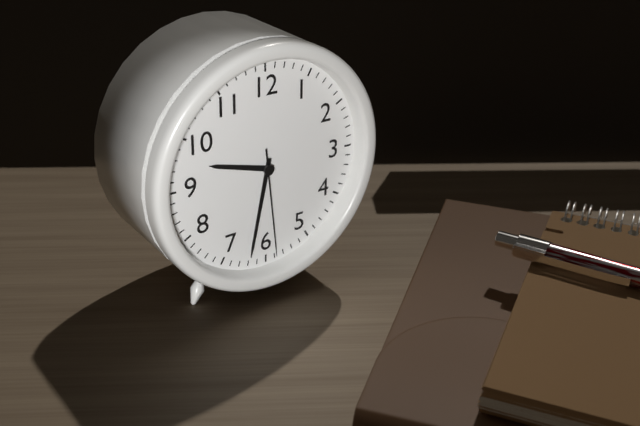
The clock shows **9:32:29**
